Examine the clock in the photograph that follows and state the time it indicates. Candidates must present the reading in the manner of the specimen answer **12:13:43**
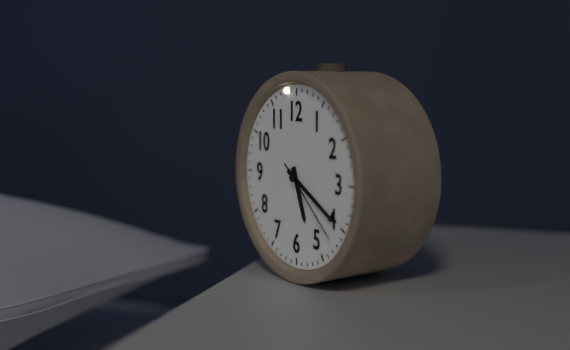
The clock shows **5:20:22**
